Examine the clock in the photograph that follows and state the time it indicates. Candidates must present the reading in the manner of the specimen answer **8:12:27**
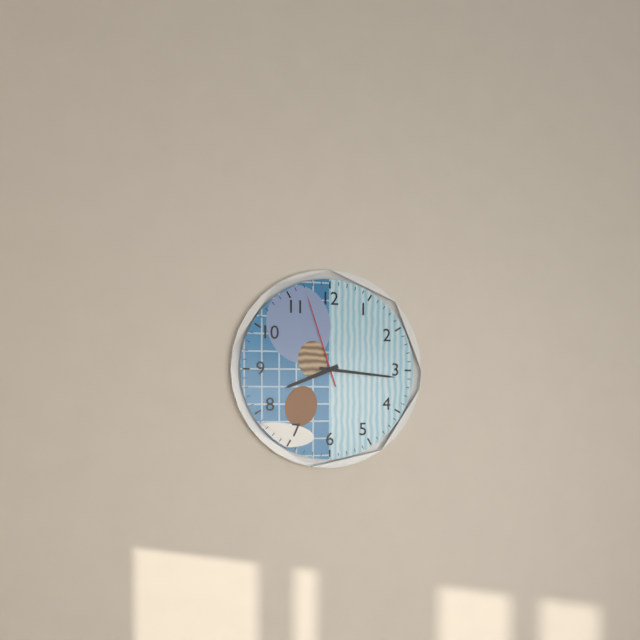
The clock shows **8:16:57**
